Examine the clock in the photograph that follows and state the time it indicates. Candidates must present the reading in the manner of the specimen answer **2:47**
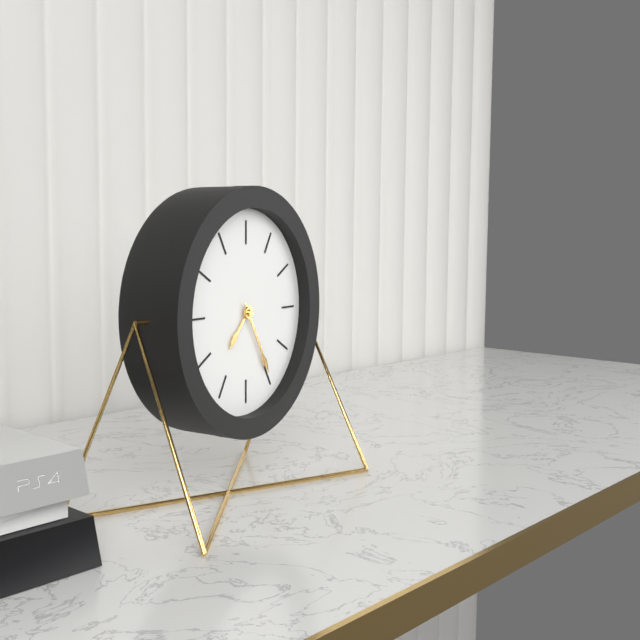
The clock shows **7:25**
